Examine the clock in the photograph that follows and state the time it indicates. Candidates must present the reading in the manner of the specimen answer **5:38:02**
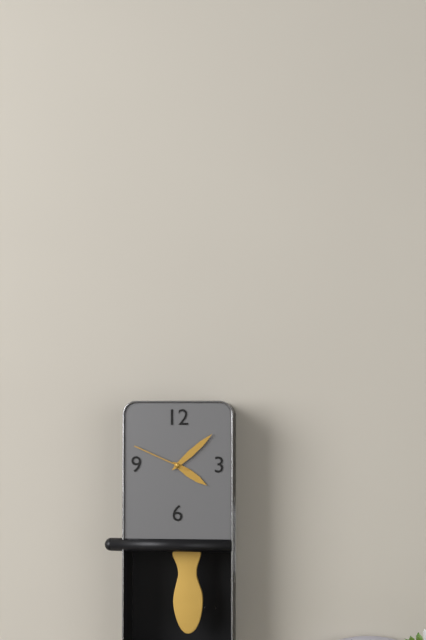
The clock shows **4:08:49**
